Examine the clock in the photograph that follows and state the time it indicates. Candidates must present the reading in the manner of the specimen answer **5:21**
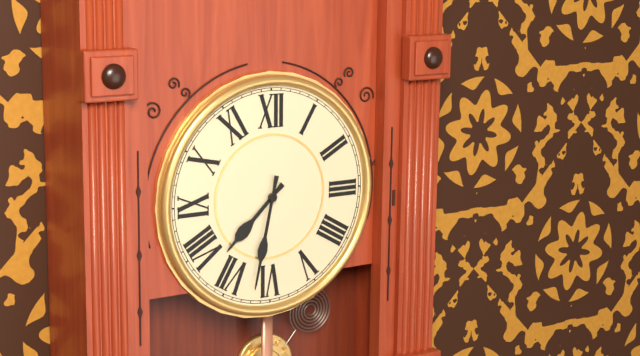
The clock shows **7:32**
